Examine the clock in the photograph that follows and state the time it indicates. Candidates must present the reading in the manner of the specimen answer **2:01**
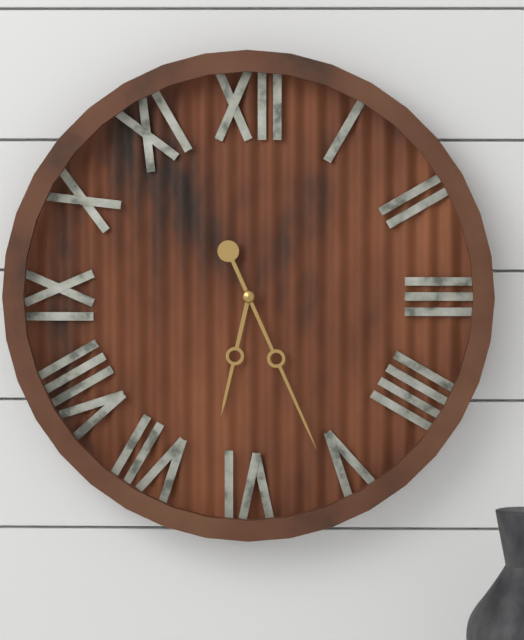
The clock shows **6:26**
